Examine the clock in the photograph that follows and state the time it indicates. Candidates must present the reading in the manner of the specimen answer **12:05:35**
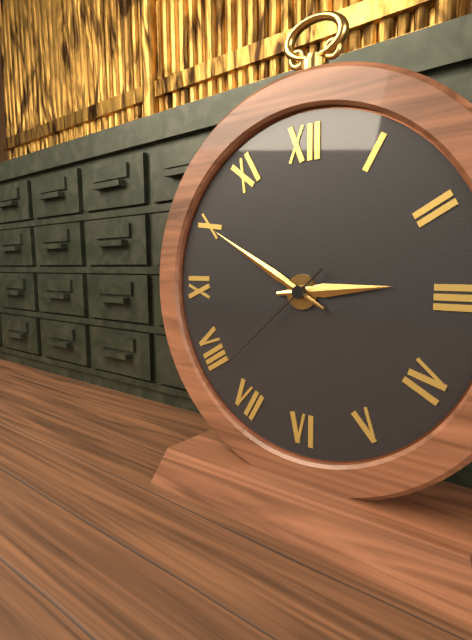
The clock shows **2:50:38**
